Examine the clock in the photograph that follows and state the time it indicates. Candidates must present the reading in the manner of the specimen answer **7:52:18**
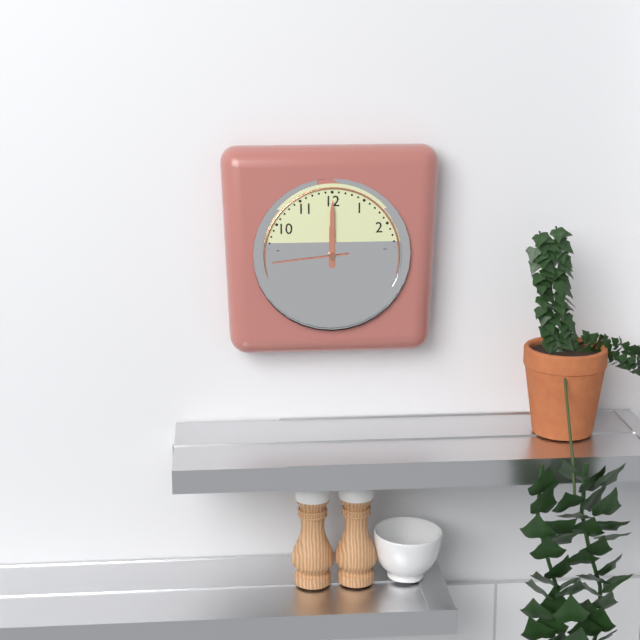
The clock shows **12:00:44**
